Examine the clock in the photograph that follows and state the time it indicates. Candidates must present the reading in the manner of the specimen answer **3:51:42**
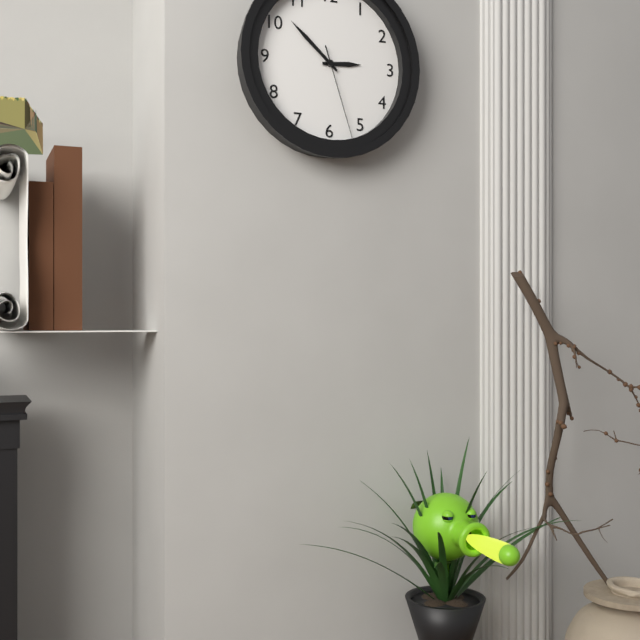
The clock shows **2:52:27**
